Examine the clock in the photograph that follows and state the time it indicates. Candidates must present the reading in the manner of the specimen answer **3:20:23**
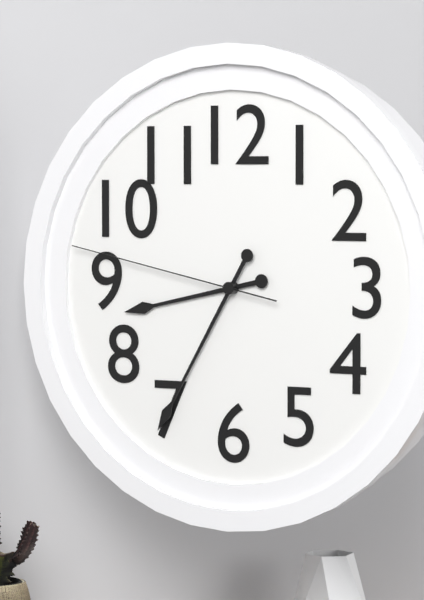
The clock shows **8:35:47**
